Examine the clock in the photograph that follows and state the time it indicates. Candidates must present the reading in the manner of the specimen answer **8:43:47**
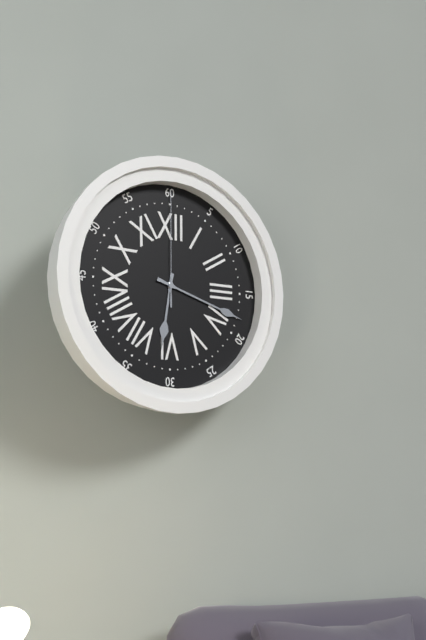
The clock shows **6:18:00**
